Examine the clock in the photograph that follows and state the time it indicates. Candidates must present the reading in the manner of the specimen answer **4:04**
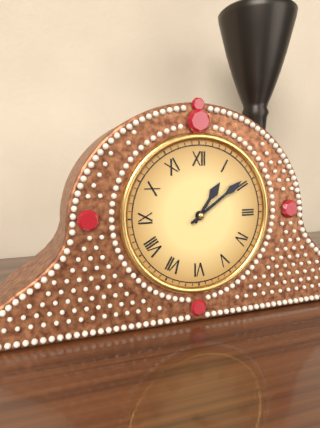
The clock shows **1:09**
